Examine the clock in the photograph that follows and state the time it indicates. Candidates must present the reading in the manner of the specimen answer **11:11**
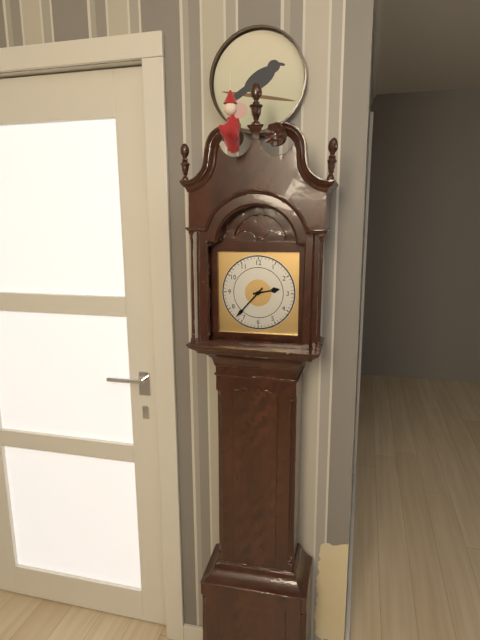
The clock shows **2:37**
